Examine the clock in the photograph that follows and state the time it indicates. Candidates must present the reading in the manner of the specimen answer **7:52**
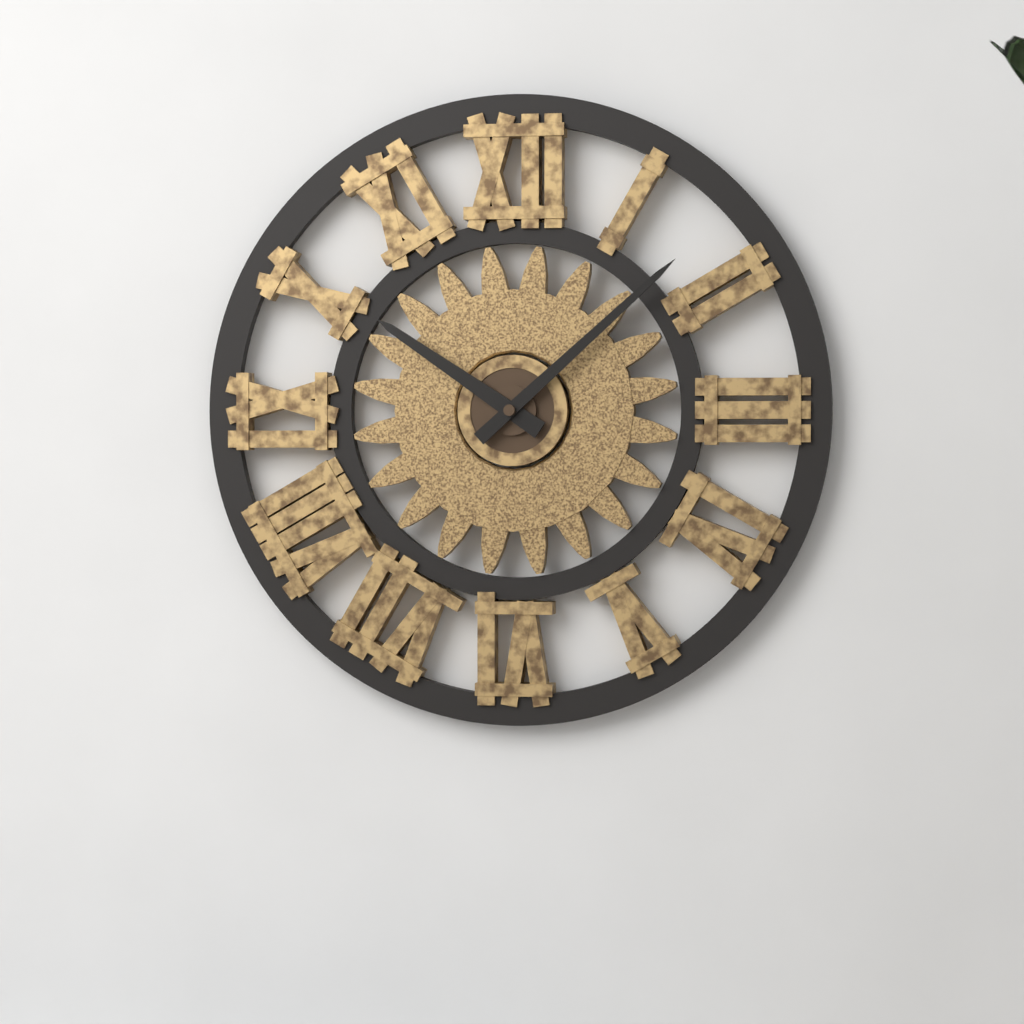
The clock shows **10:08**
